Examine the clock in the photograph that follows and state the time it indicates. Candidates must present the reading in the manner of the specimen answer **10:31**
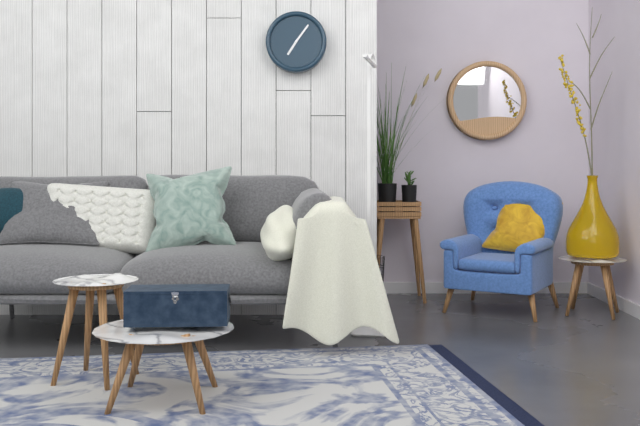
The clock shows **7:06**
